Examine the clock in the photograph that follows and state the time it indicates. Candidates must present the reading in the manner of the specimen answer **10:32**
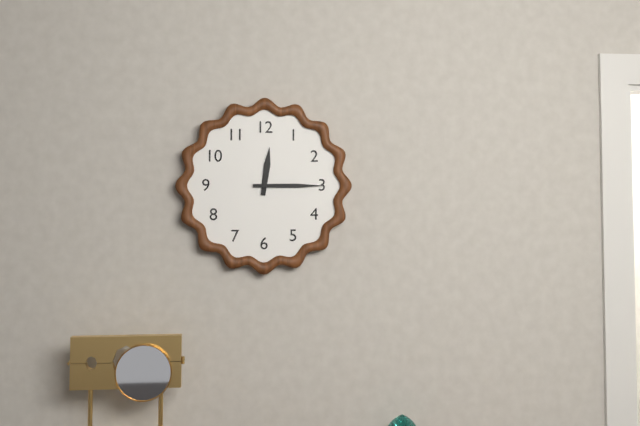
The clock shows **12:15**
